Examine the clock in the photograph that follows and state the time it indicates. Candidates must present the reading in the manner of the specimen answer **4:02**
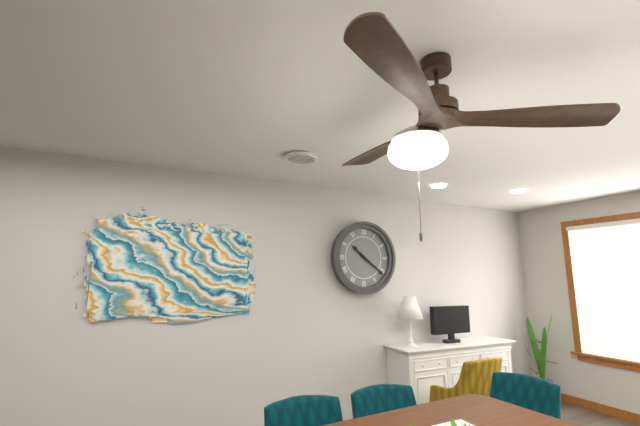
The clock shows **10:21**
